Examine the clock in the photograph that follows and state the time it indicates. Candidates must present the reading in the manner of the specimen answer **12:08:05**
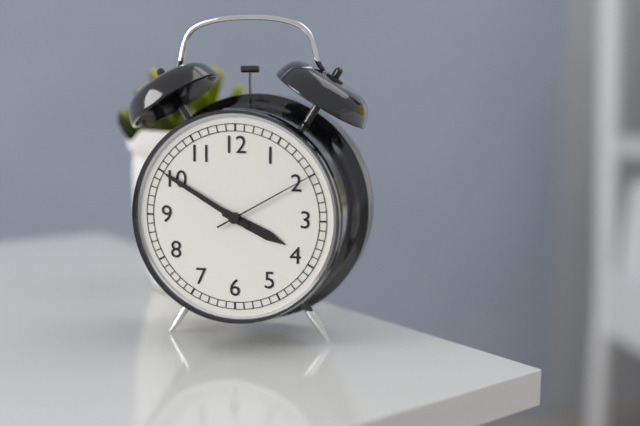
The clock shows **3:50:10**
